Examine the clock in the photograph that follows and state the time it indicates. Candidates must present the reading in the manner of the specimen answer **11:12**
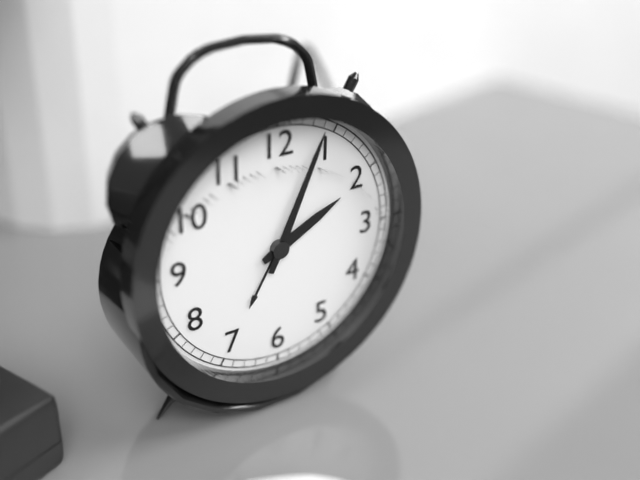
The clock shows **2:04**
